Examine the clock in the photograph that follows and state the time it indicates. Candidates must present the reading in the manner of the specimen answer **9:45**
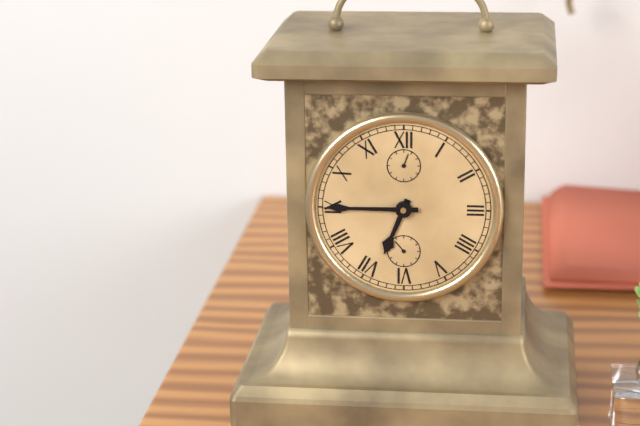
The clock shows **6:45**
